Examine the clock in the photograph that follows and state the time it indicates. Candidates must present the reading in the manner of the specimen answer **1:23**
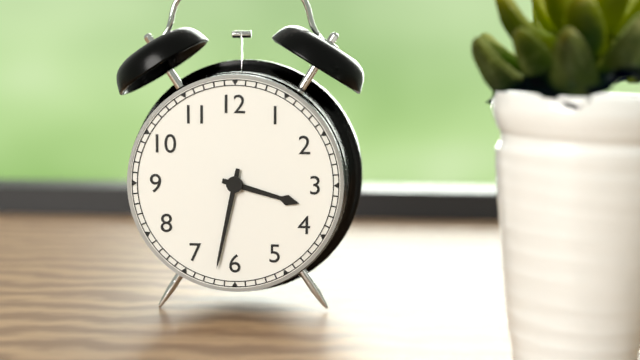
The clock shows **3:32**
